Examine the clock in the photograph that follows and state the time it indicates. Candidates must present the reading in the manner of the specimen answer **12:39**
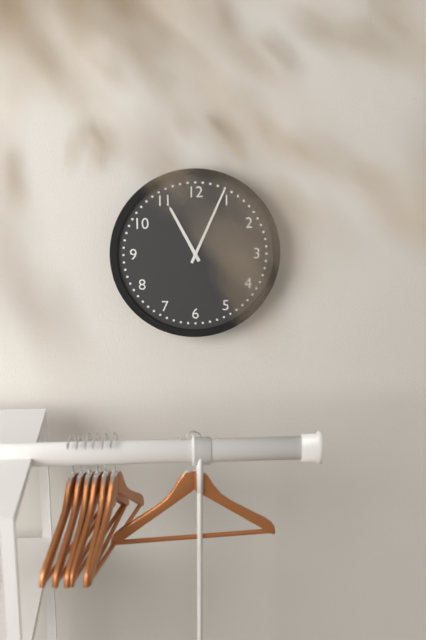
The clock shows **11:04**
